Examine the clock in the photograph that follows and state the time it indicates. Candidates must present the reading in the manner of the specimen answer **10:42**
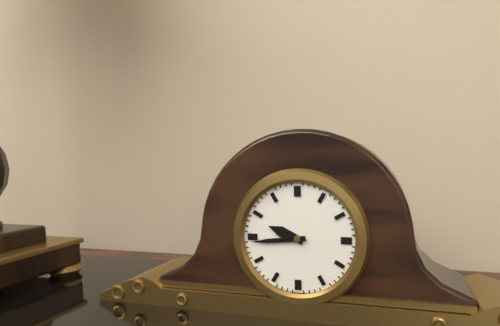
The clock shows **9:44**
